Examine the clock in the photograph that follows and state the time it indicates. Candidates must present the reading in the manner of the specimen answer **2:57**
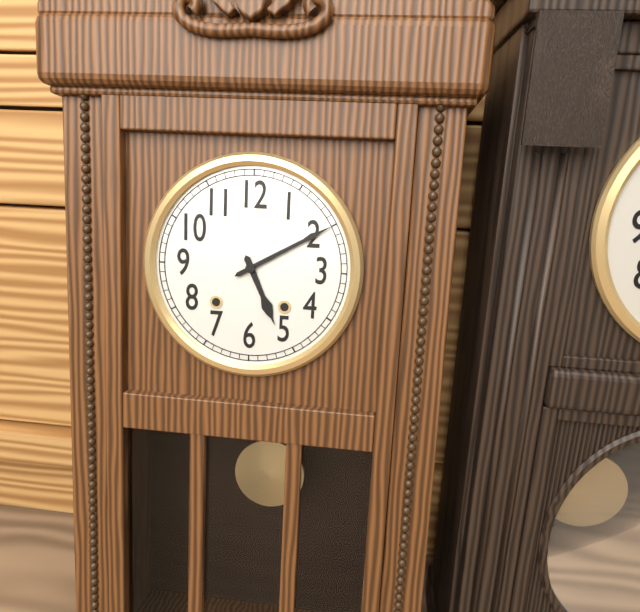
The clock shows **5:10**
